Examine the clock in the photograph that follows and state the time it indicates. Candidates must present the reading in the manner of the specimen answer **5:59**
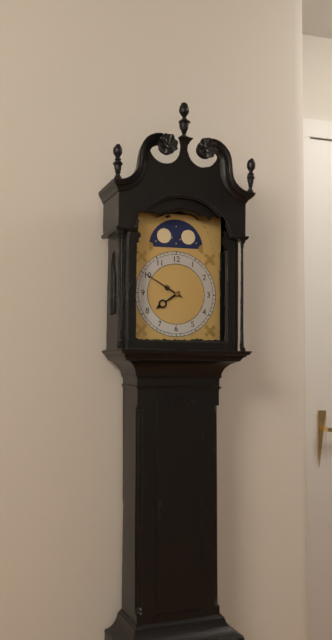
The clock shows **7:50**
